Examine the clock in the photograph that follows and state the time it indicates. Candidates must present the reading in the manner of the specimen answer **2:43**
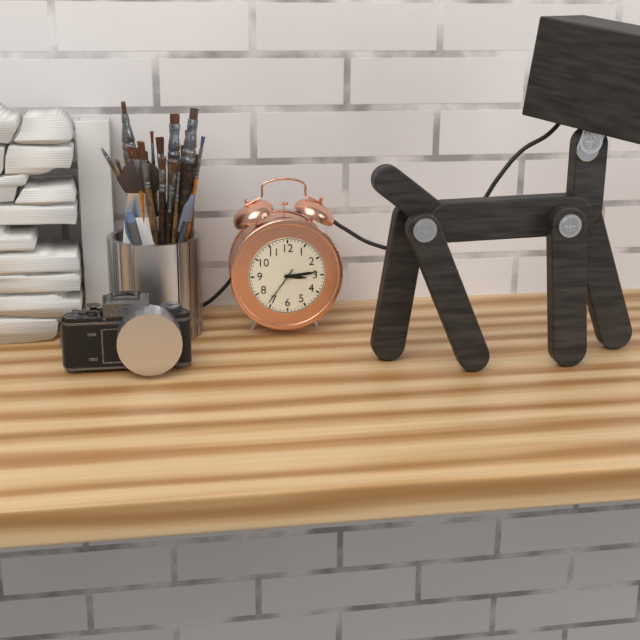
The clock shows **3:14**
